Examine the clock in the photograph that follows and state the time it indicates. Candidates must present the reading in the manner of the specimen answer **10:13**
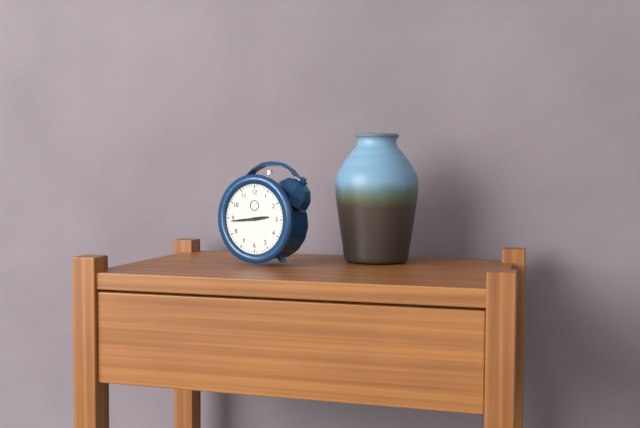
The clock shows **2:44**
